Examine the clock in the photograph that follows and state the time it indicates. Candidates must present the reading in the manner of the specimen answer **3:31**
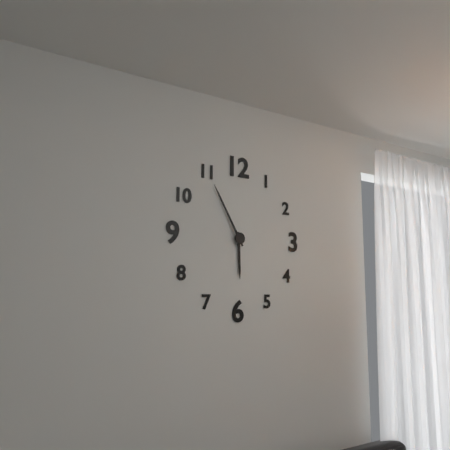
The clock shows **5:55**
